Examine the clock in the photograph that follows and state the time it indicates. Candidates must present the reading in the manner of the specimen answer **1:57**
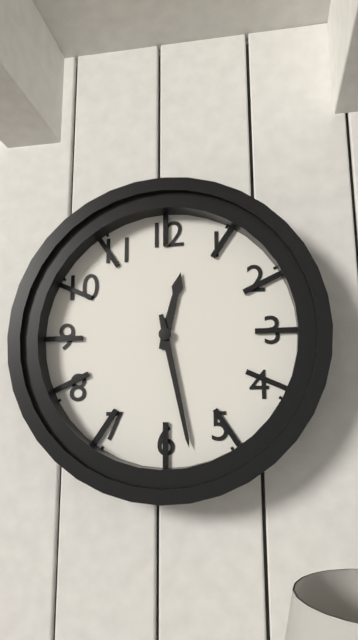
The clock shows **12:28**
